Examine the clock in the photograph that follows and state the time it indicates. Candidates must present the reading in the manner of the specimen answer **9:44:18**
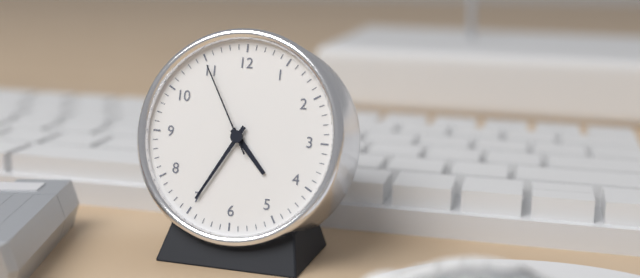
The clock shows **4:35:55**
